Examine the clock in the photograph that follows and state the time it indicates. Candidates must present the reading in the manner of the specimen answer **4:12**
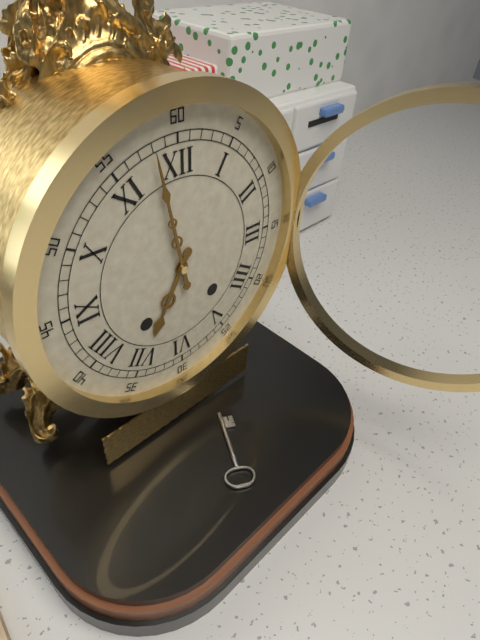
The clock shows **6:58**
